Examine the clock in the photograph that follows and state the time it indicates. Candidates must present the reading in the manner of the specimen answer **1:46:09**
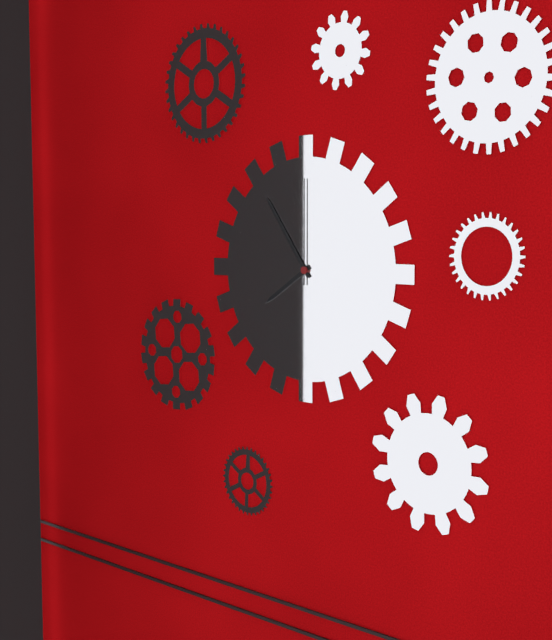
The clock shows **7:54:00**
